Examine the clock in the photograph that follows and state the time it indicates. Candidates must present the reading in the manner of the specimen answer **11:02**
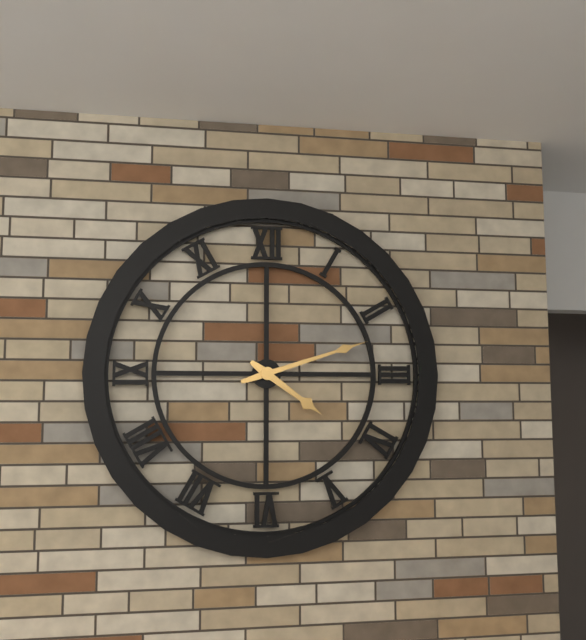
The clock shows **4:12**
